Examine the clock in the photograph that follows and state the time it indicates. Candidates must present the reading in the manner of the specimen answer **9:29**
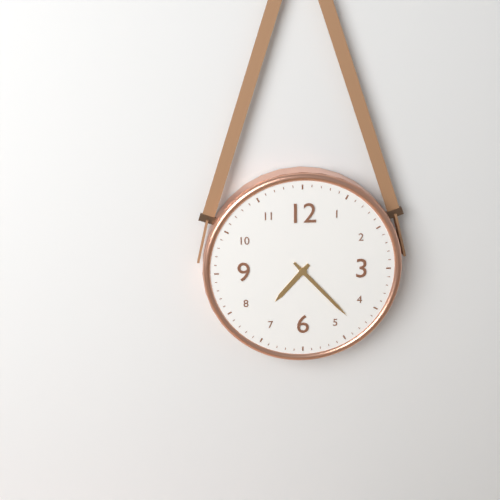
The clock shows **7:23**
